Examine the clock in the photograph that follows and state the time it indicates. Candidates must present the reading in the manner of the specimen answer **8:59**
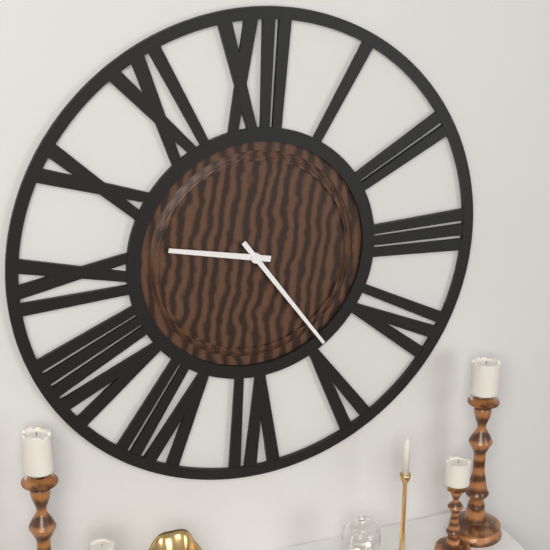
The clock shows **9:24**
